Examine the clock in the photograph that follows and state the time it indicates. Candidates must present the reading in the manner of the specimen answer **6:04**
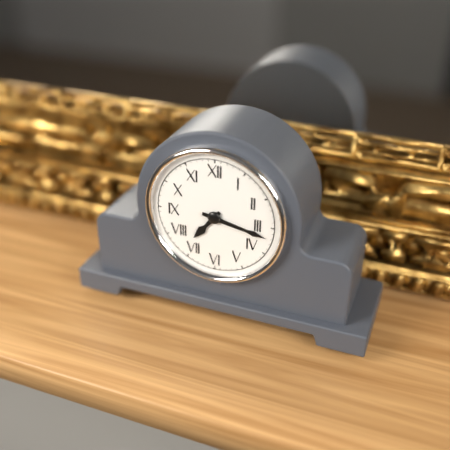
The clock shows **7:17**
